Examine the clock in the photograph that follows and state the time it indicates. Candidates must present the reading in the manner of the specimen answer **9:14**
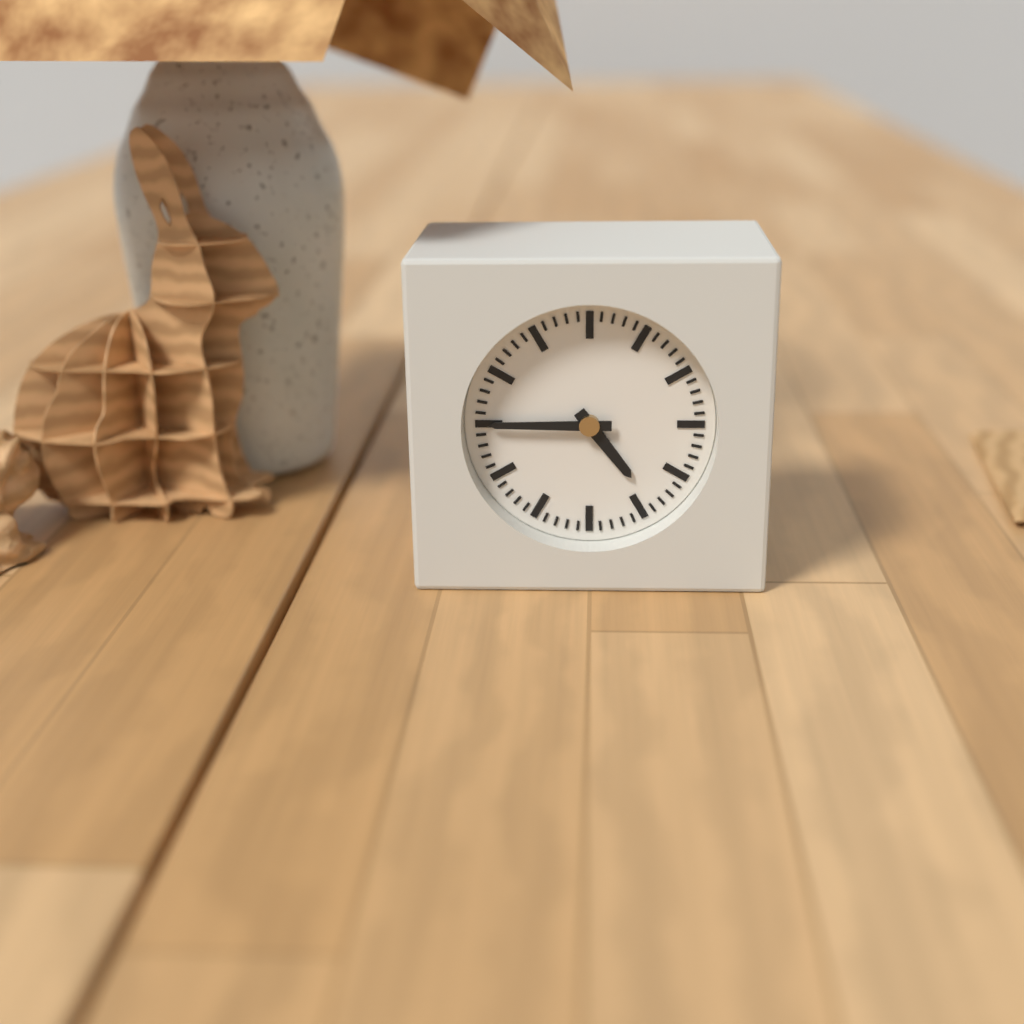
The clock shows **4:45**
